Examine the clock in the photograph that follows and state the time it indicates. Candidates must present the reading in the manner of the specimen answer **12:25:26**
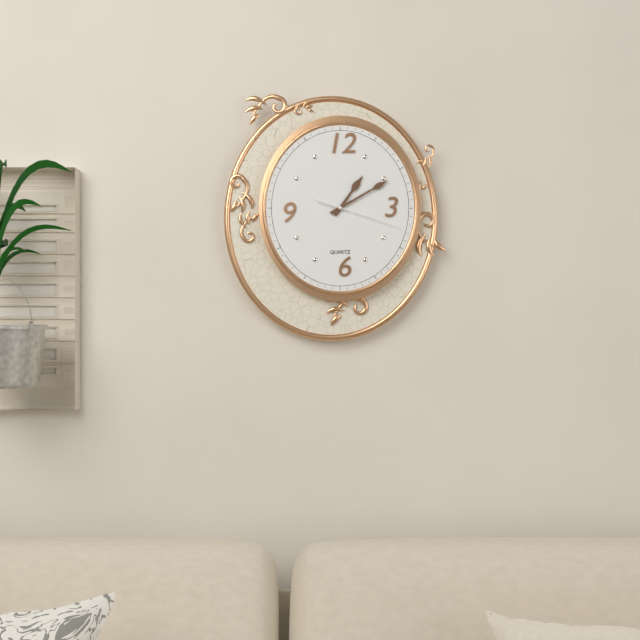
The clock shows **1:10:18**
